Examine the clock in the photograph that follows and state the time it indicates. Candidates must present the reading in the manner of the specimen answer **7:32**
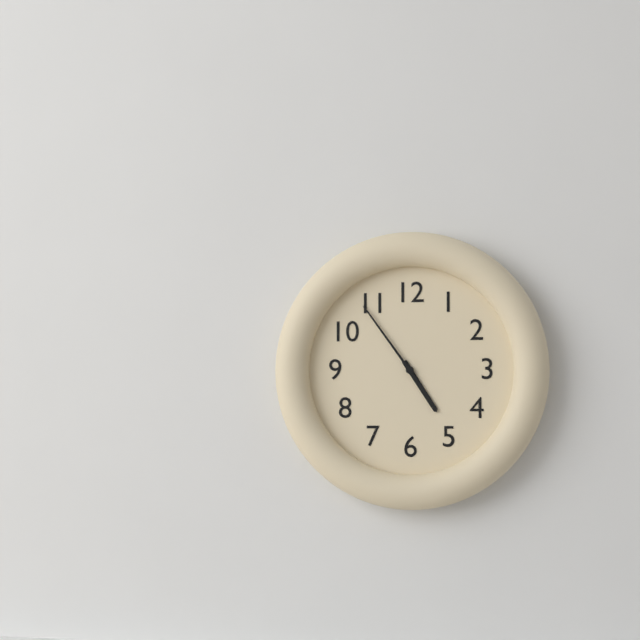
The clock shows **4:54**
